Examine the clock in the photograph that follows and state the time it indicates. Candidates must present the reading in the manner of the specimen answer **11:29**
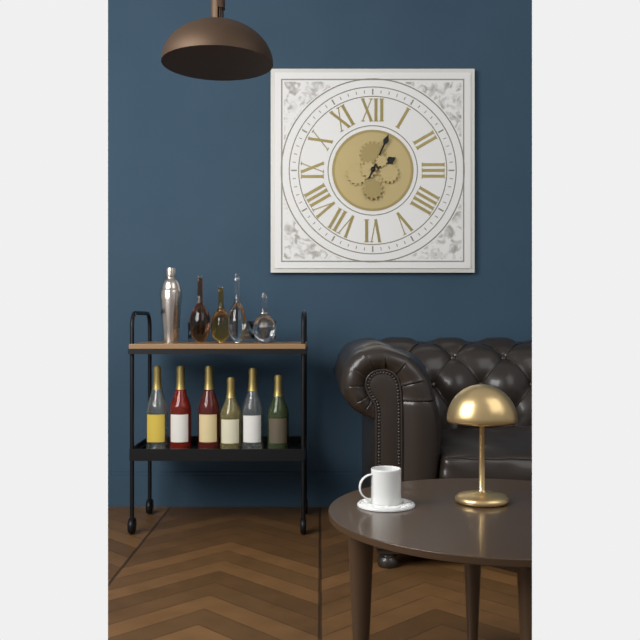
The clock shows **2:04**
